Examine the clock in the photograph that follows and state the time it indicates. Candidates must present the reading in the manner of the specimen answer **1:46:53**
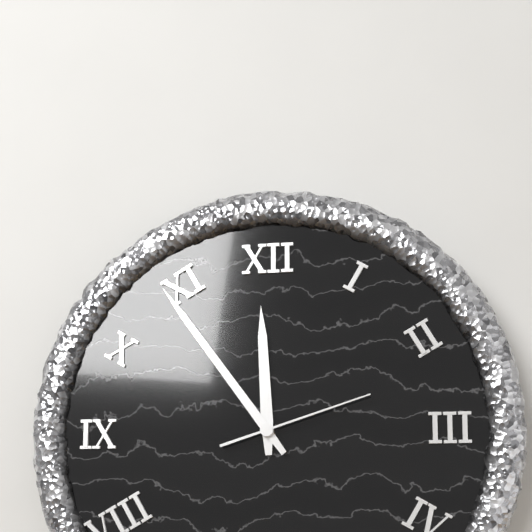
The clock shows **11:54:12**
